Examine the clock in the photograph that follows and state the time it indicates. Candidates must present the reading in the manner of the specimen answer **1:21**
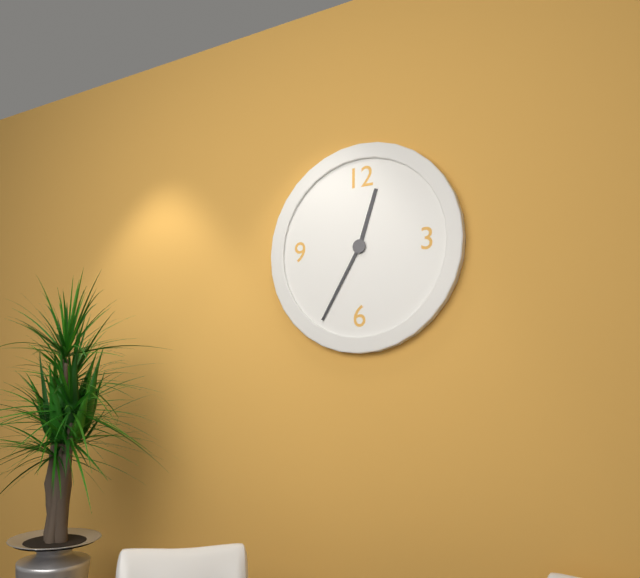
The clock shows **12:35**
